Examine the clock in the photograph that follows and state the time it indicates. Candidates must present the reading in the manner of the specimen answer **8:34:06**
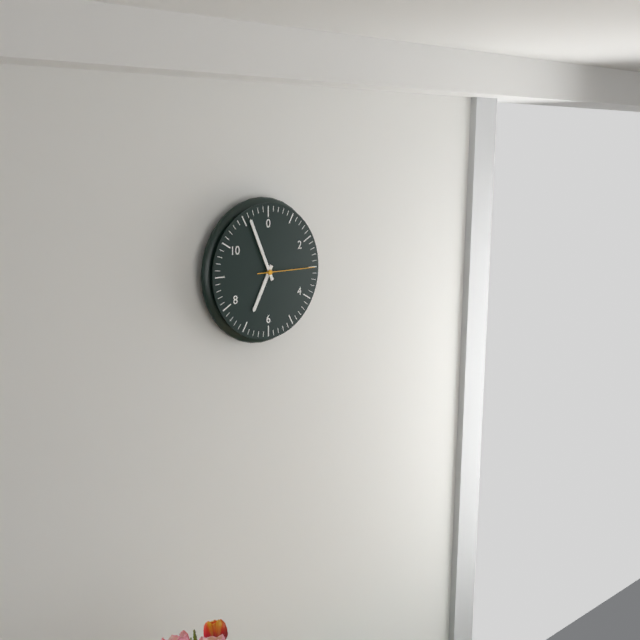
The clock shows **6:56:15**
